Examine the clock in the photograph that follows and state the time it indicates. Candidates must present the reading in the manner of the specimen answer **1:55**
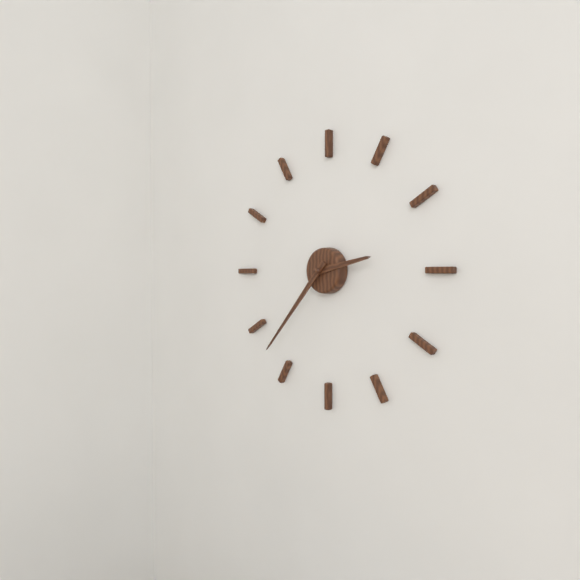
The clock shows **2:37**
